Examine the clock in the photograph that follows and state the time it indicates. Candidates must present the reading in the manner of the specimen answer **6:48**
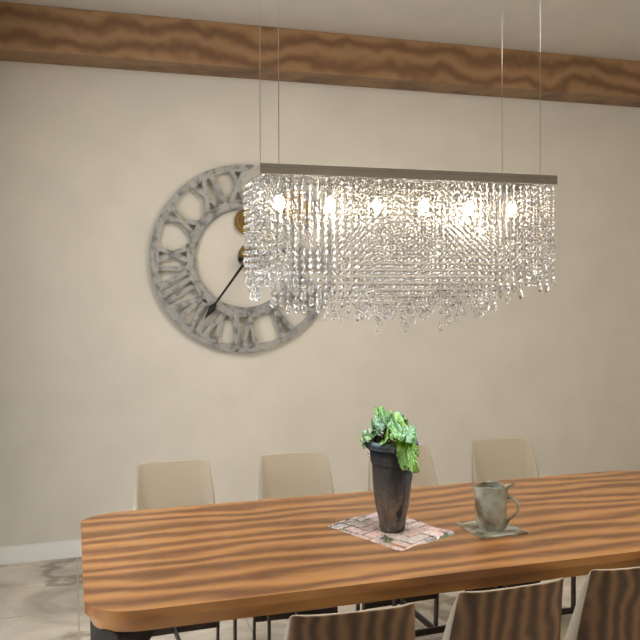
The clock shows **2:36**
